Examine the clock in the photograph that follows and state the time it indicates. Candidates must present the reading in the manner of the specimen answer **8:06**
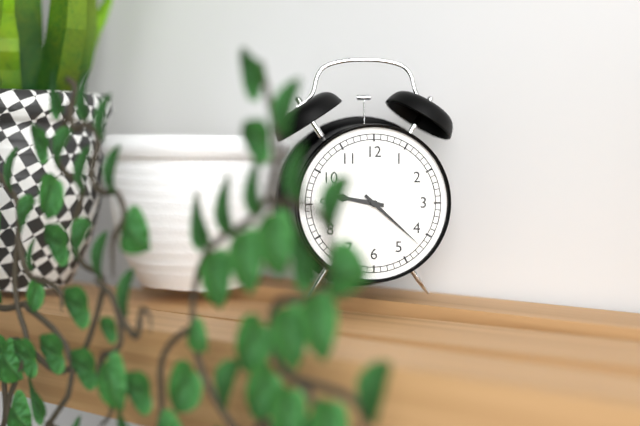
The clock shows **9:22**
